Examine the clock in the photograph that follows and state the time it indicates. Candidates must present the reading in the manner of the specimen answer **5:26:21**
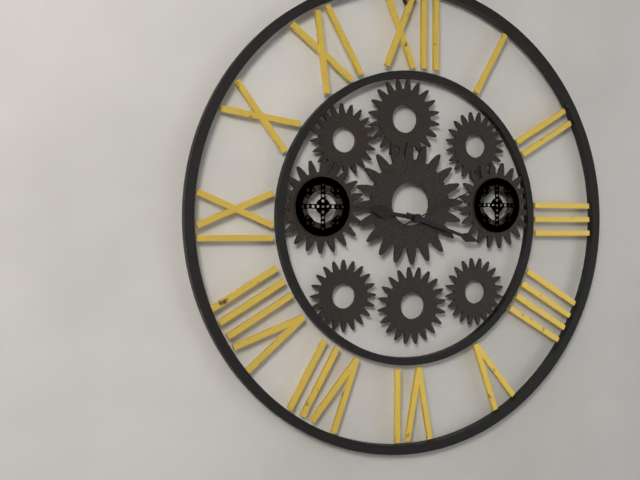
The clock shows **9:18:11**
